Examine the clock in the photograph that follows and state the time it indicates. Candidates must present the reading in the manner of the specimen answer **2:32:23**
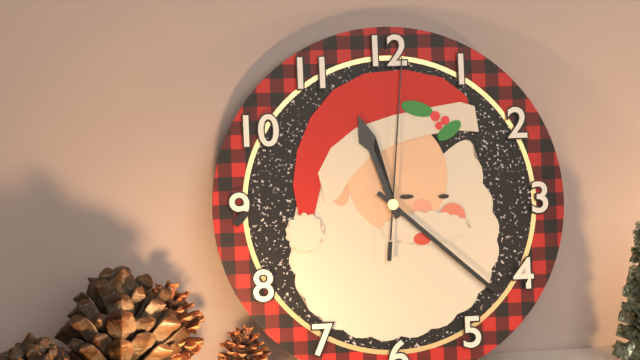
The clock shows **11:22:01**
